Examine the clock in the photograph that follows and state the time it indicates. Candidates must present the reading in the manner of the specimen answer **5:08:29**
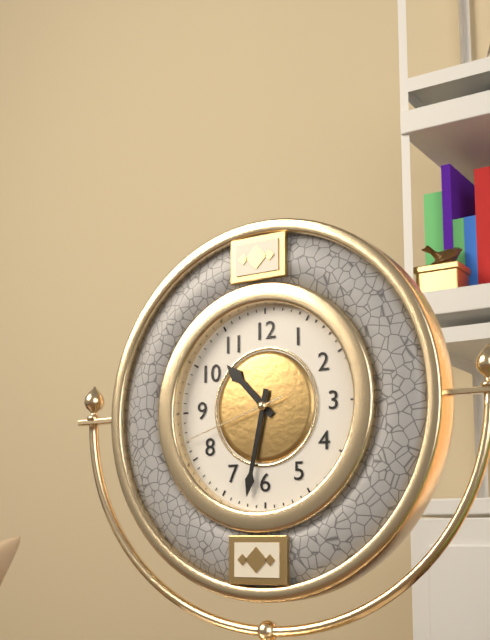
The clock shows **10:32:42**
